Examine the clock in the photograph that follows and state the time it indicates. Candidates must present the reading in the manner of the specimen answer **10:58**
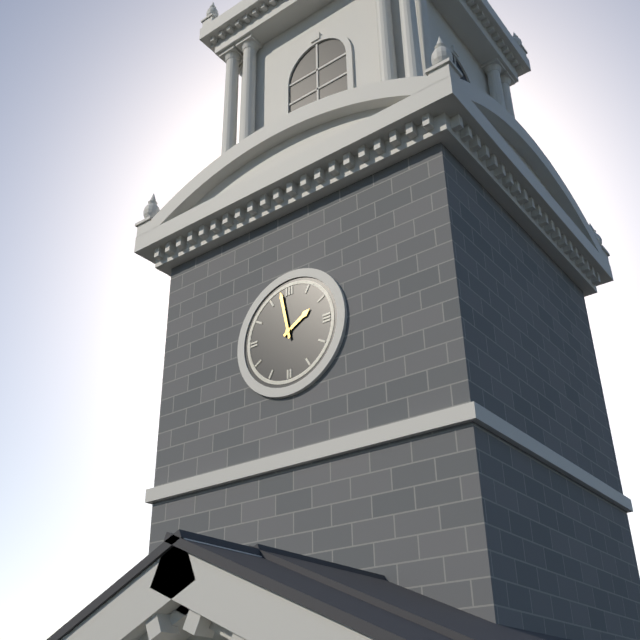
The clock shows **1:58**
